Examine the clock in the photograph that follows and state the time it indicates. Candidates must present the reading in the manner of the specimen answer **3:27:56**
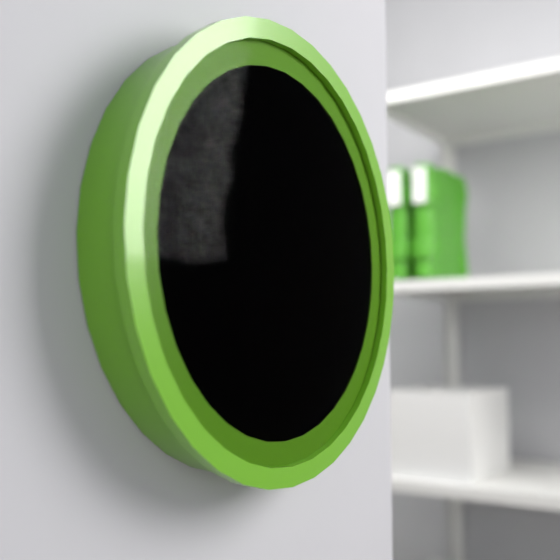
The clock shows **3:55:40**
